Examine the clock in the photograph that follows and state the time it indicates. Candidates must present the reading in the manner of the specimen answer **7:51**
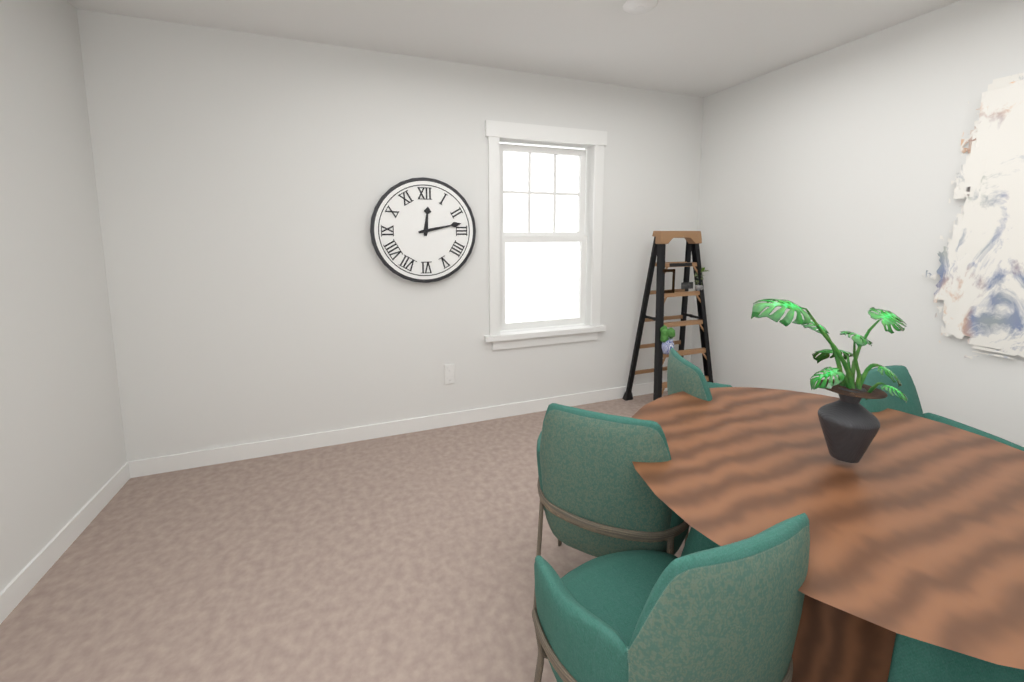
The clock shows **12:13**
